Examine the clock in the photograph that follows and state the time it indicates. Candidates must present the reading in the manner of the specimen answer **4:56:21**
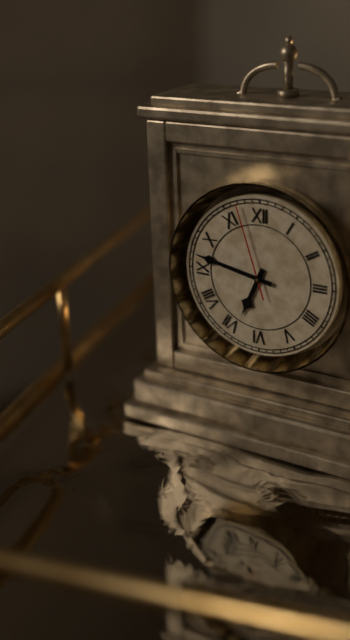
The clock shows **6:47:57**
